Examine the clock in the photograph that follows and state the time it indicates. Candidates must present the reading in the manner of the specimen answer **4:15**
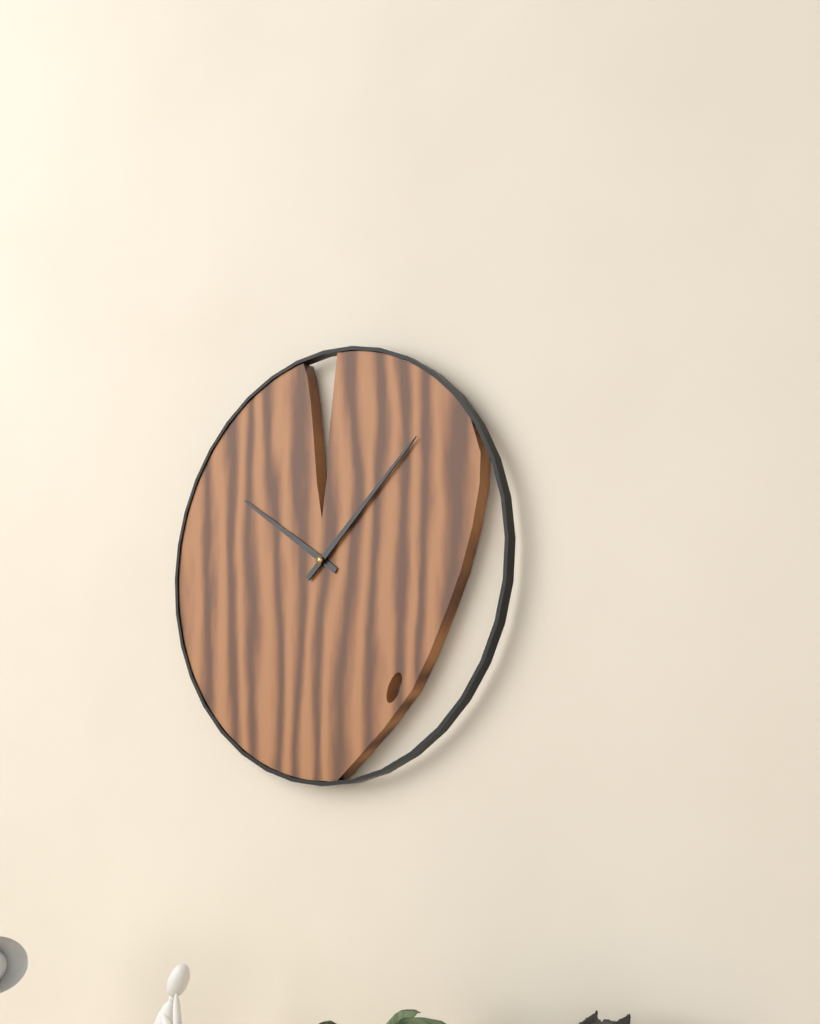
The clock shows **10:08**
